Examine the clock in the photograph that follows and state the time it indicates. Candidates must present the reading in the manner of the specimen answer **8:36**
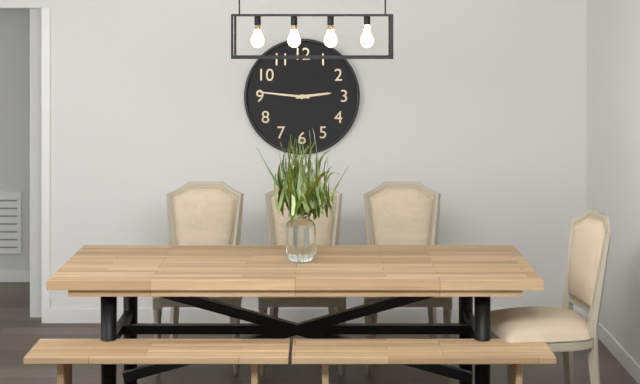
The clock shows **2:46**
